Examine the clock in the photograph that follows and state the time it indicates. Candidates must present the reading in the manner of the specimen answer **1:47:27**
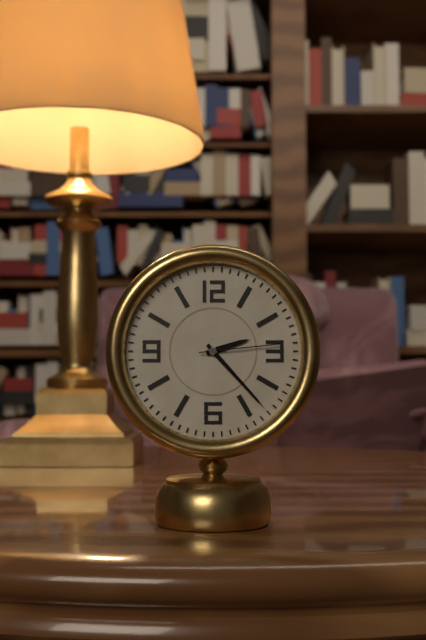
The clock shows **2:23:14**
